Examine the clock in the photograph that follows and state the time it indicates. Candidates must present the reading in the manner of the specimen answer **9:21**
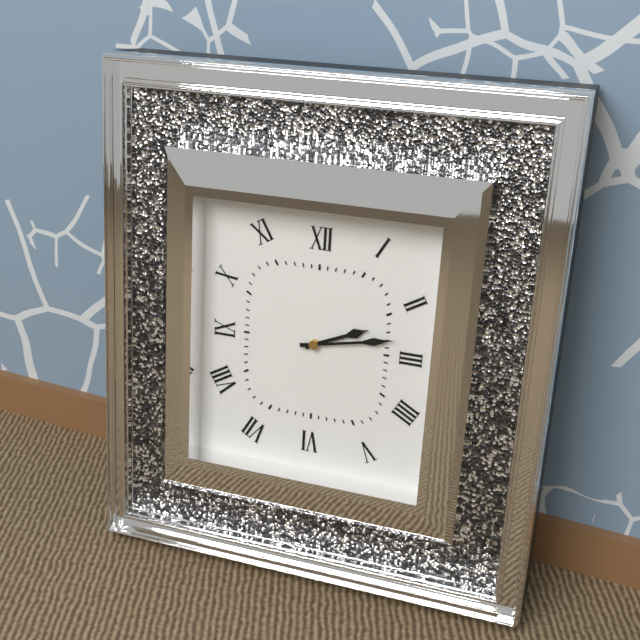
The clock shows **2:13**
